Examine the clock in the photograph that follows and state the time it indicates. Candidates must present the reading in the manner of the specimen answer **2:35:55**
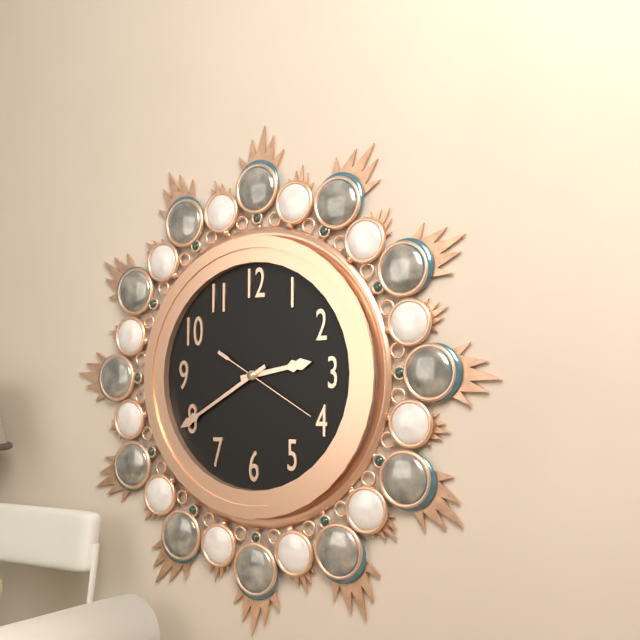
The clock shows **2:40:20**
